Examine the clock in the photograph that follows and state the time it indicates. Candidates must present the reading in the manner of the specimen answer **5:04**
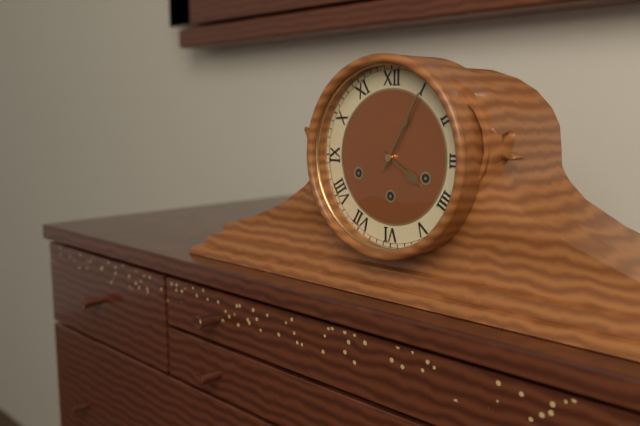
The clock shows **4:05**
